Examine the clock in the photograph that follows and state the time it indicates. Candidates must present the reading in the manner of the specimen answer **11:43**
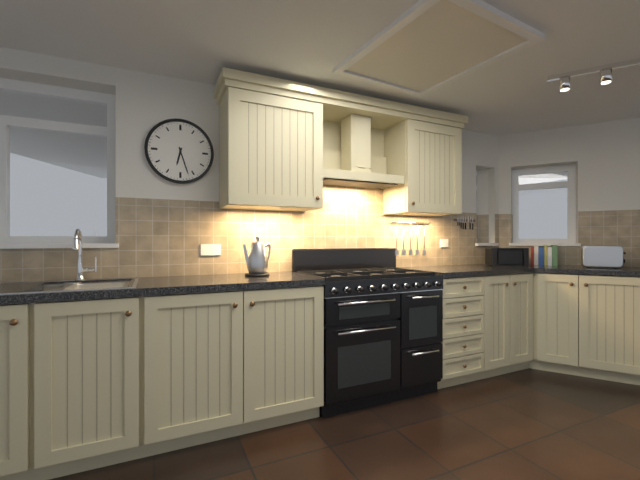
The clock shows **6:27**
